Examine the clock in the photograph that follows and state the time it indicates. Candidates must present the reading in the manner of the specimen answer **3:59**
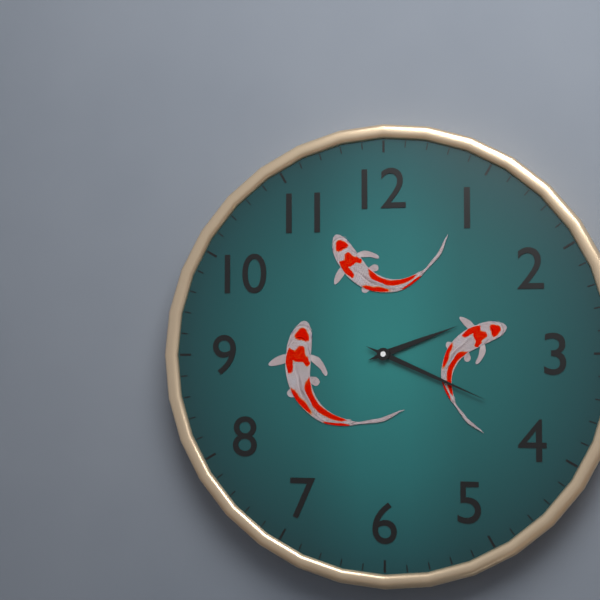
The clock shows **2:19**
